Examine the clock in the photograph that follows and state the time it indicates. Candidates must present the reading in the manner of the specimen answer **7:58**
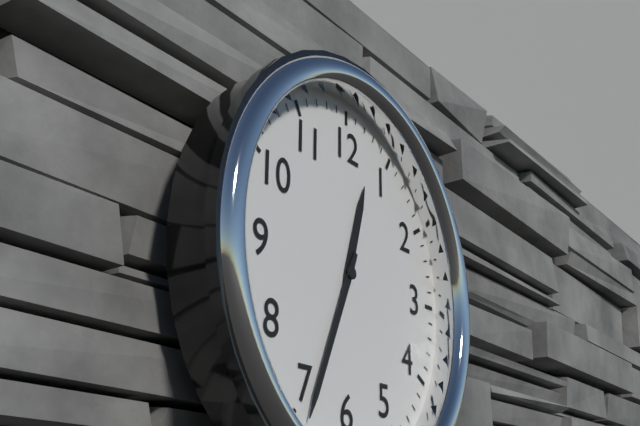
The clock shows **12:34**
